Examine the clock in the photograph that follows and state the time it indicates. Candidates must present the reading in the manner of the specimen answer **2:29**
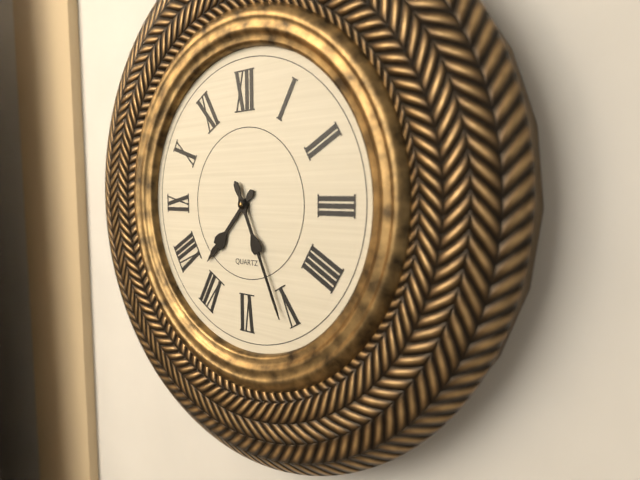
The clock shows **7:26**
